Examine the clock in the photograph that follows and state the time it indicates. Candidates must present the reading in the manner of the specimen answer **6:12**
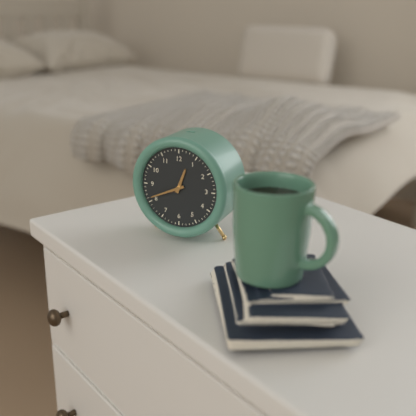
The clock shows **12:41**
